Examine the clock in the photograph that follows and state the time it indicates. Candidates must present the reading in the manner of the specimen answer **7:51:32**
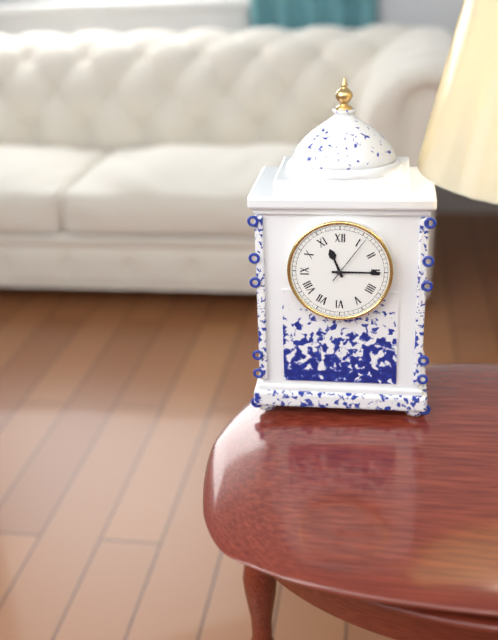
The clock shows **11:15:06**
